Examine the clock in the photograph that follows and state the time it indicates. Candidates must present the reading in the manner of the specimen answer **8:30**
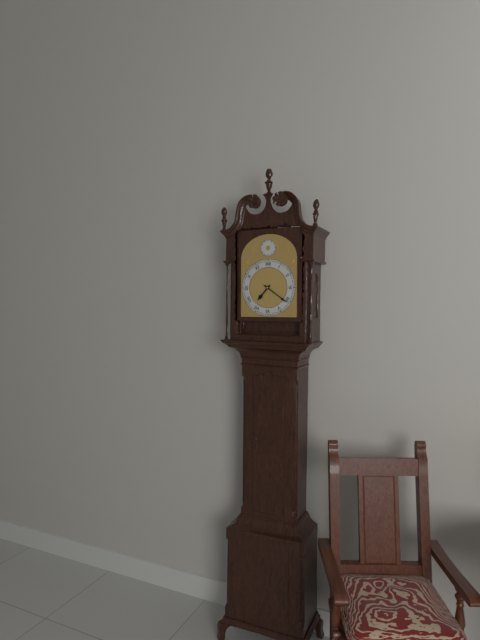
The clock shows **7:21**
